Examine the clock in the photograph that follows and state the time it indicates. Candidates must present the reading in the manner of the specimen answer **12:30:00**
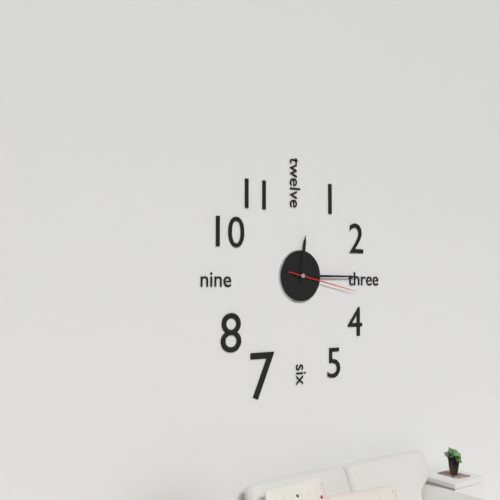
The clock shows **12:15:17**
